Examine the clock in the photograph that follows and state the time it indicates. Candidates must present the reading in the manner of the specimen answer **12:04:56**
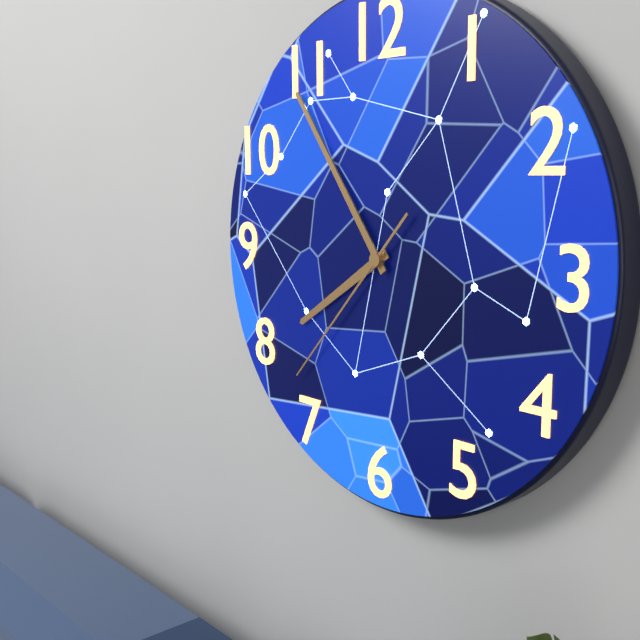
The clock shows **7:54:37**
